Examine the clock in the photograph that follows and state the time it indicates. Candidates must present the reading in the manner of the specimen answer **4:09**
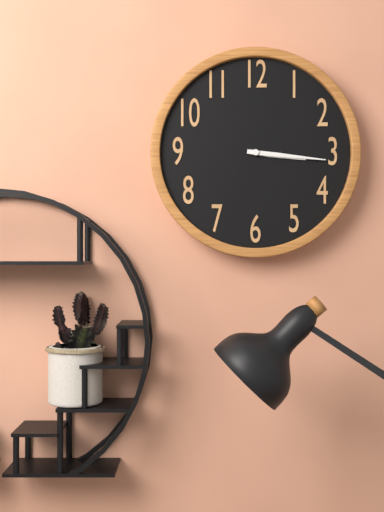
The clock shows **3:16**
